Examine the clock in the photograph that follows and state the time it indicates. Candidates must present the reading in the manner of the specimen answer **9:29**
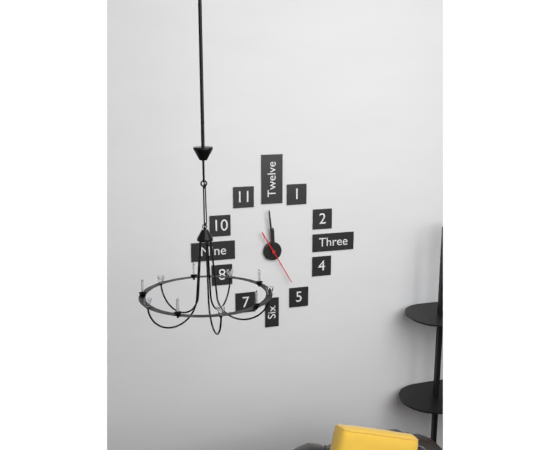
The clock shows **11:59**
